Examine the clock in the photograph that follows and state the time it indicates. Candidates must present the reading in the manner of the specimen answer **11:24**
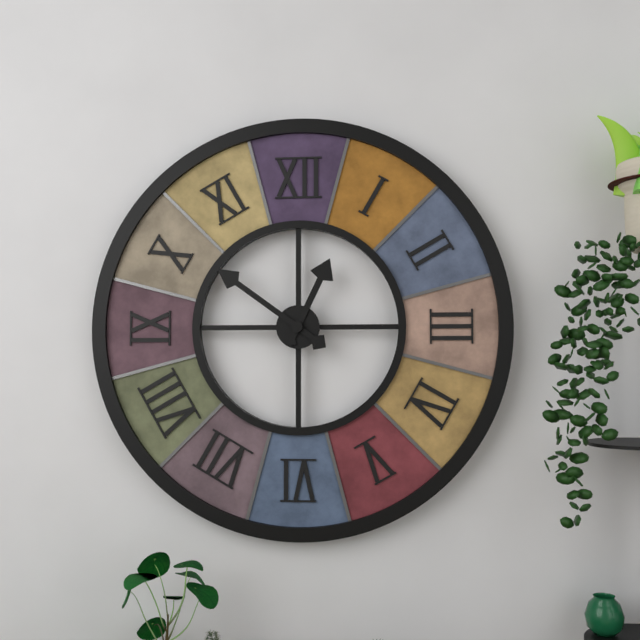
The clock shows **12:51**
